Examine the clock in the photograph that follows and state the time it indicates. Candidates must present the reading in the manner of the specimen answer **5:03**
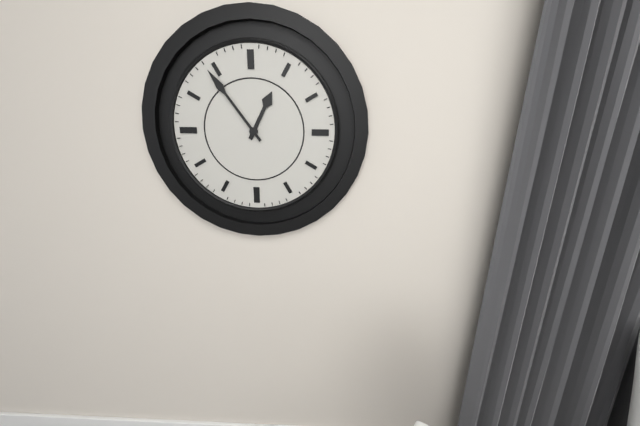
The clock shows **12:54**
